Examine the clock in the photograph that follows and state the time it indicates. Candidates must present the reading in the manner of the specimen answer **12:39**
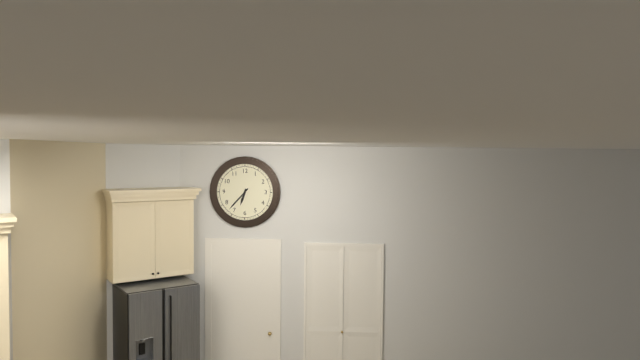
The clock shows **6:37**
